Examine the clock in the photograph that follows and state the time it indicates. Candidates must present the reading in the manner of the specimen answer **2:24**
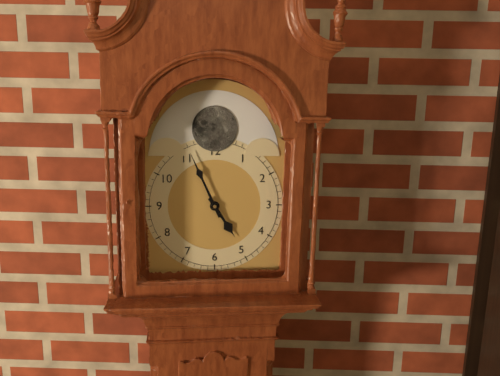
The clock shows **4:56**
